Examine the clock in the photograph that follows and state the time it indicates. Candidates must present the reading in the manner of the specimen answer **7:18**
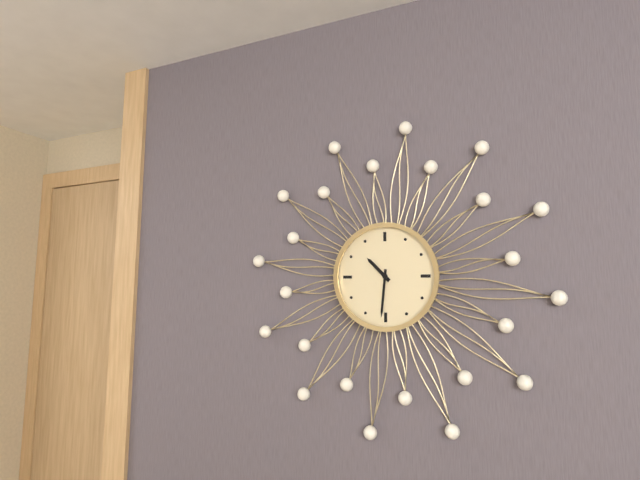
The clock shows **10:31**
